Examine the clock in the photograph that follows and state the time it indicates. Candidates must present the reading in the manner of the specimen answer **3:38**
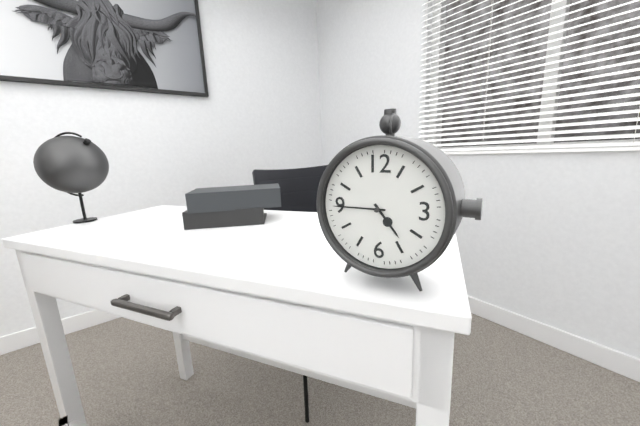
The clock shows **4:45**
